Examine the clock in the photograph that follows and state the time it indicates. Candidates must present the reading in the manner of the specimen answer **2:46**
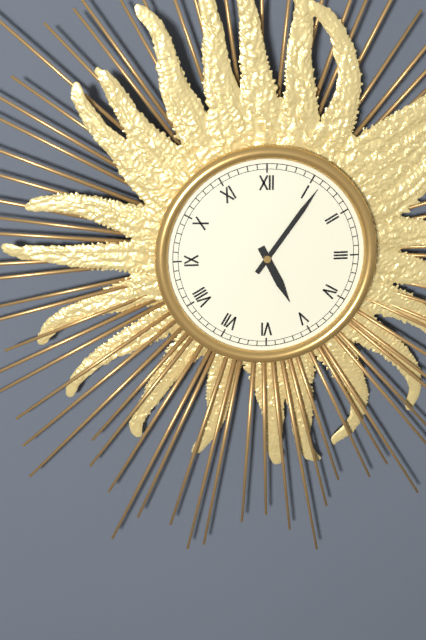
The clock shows **5:06**
